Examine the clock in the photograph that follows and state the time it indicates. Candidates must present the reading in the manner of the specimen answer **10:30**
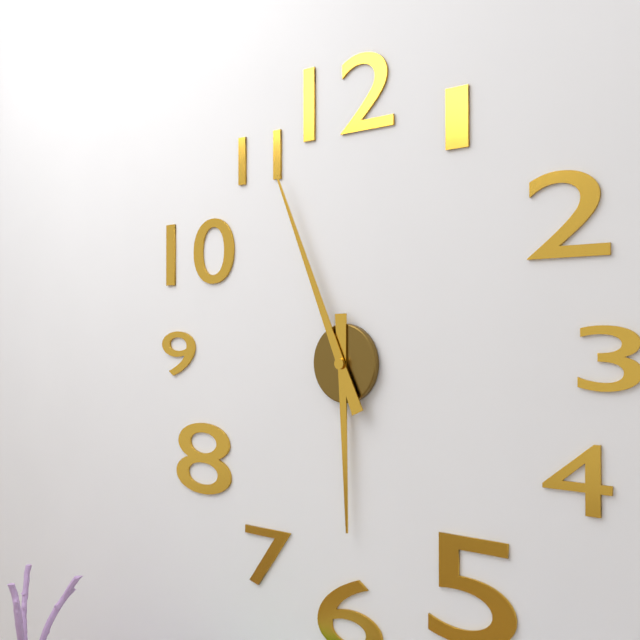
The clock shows **5:56**
